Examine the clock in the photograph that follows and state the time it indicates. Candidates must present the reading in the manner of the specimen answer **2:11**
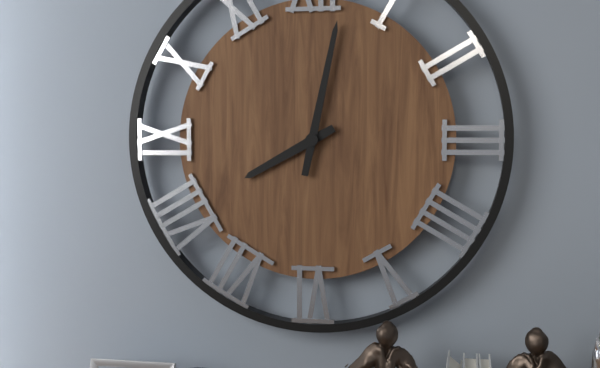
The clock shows **8:02**
